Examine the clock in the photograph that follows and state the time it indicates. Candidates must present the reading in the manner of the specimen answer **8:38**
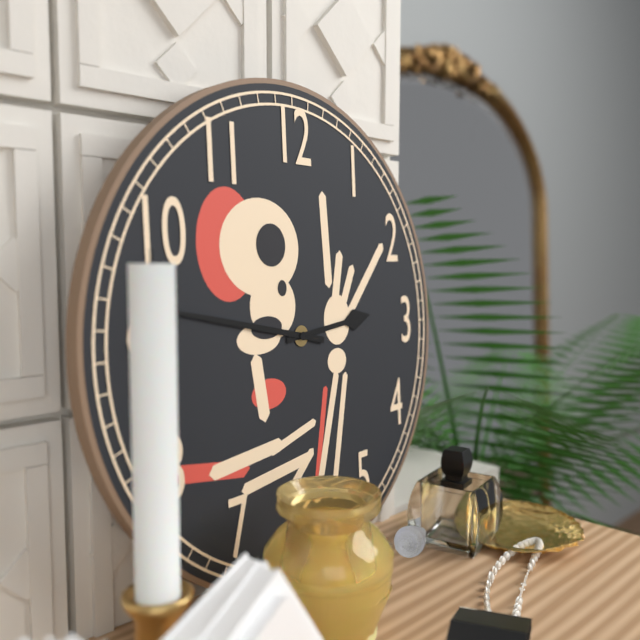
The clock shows **2:47**
